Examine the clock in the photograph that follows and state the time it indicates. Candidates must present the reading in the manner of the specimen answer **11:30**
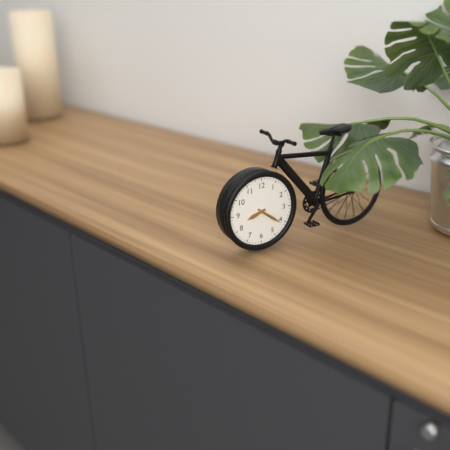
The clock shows **8:21**
